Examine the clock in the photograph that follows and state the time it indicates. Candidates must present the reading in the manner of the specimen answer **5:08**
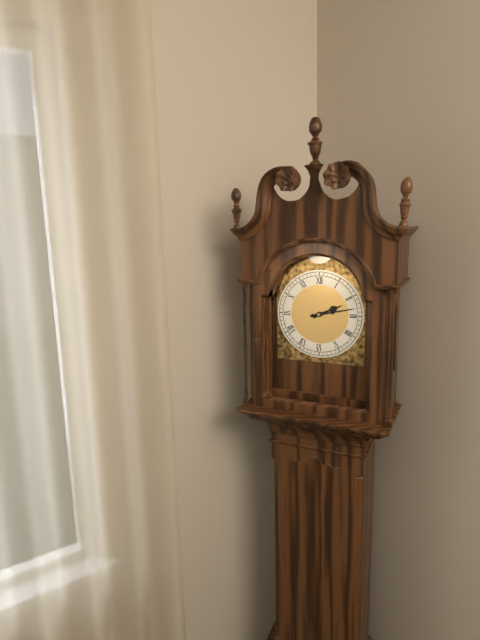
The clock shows **2:13**
